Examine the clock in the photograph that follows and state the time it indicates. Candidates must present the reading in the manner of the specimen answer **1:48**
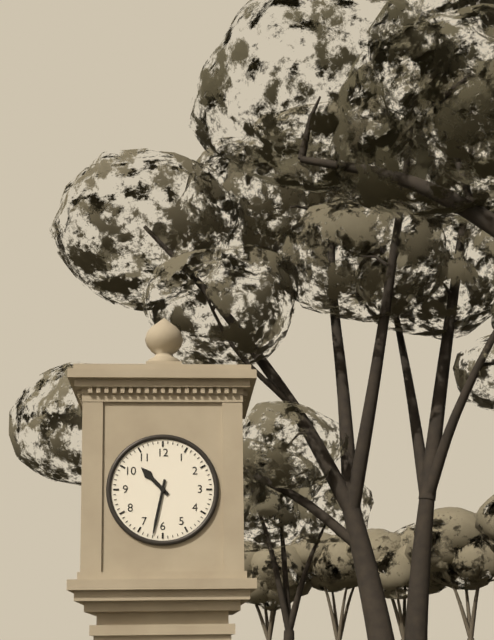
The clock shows **10:32**
